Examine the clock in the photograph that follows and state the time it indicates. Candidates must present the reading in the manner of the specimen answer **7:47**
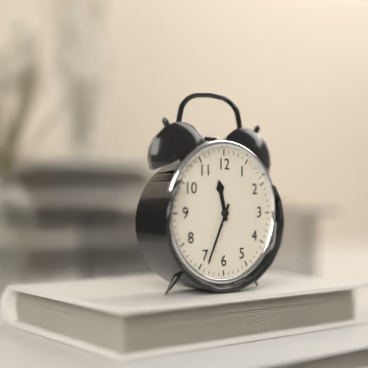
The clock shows **11:34**
